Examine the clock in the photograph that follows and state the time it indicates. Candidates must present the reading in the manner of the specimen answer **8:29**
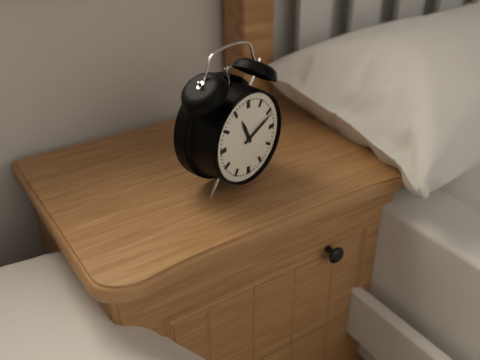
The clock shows **11:11**
